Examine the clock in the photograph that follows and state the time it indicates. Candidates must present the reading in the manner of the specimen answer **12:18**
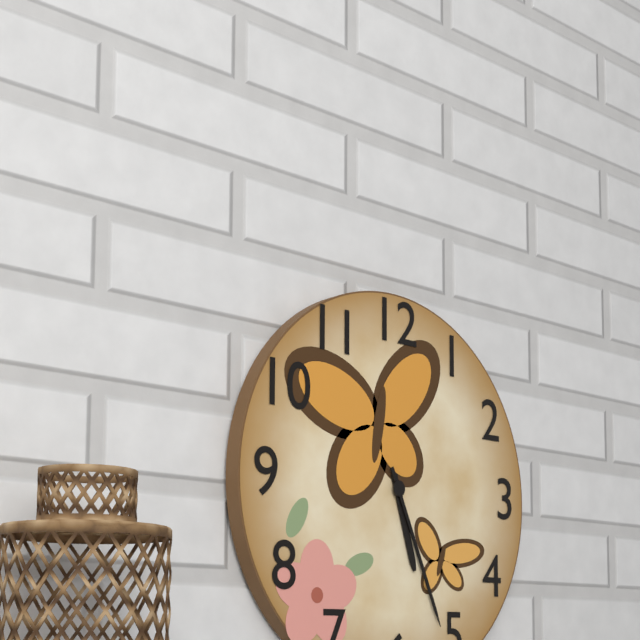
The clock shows **5:26**
